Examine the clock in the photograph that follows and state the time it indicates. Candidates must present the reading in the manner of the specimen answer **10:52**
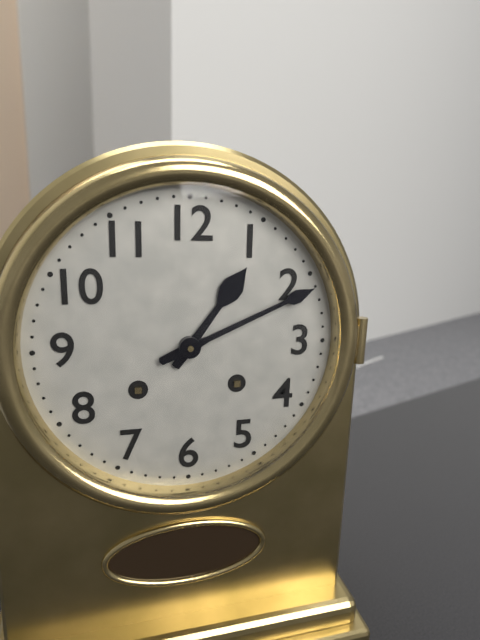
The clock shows **1:11**
